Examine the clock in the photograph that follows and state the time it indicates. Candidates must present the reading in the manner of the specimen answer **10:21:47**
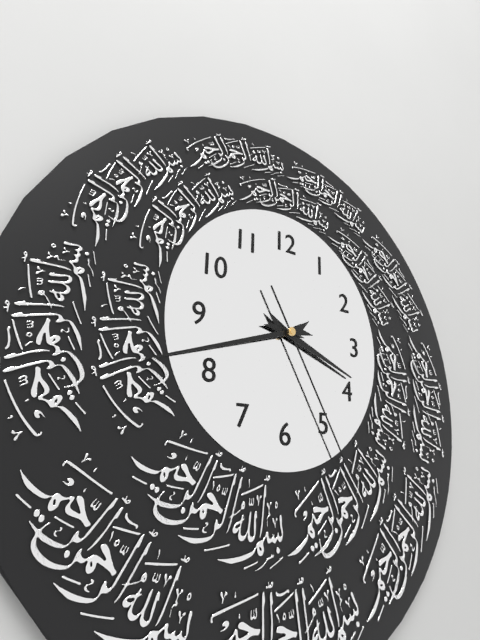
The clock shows **3:42:25**
